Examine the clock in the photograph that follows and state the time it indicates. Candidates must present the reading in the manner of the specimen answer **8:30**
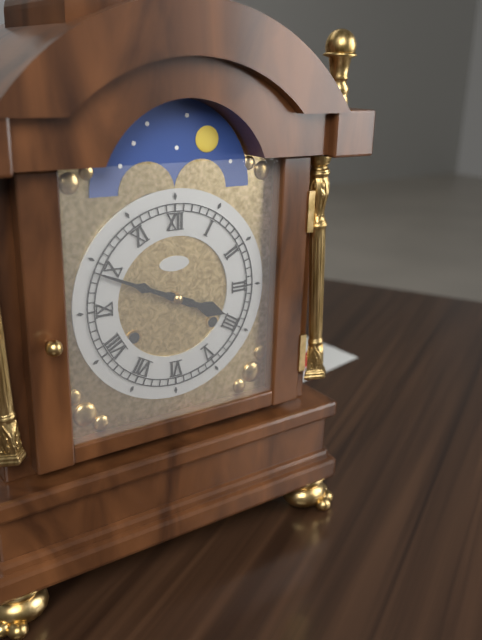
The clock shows **3:49**
